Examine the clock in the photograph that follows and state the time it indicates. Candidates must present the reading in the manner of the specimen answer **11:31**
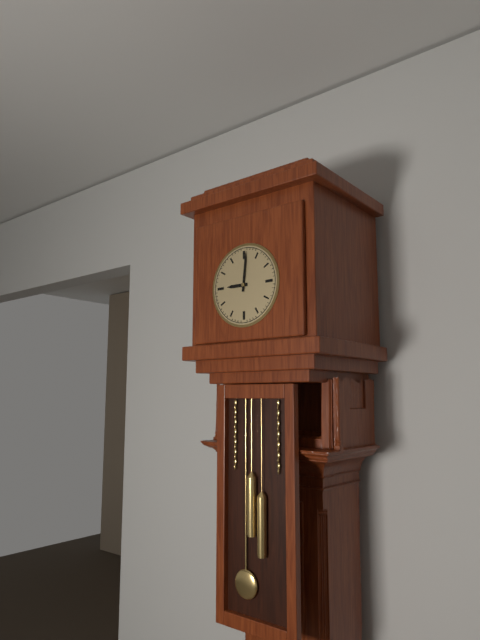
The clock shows **9:01**
